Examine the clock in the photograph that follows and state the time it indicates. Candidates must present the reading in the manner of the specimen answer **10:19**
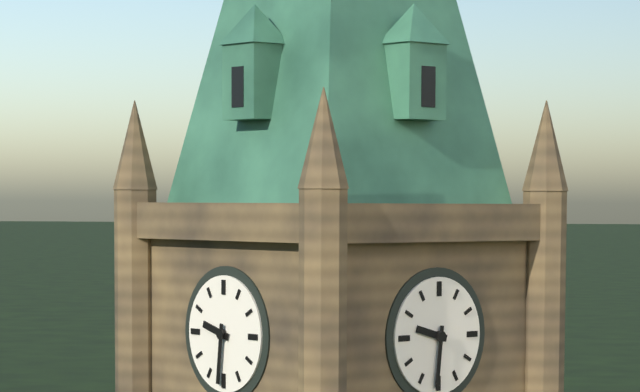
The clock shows **9:31**
